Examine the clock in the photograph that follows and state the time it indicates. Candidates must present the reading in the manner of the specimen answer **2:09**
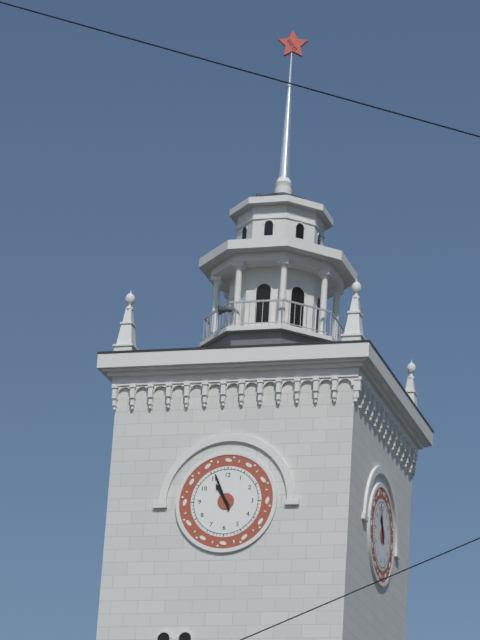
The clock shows **10:56**
